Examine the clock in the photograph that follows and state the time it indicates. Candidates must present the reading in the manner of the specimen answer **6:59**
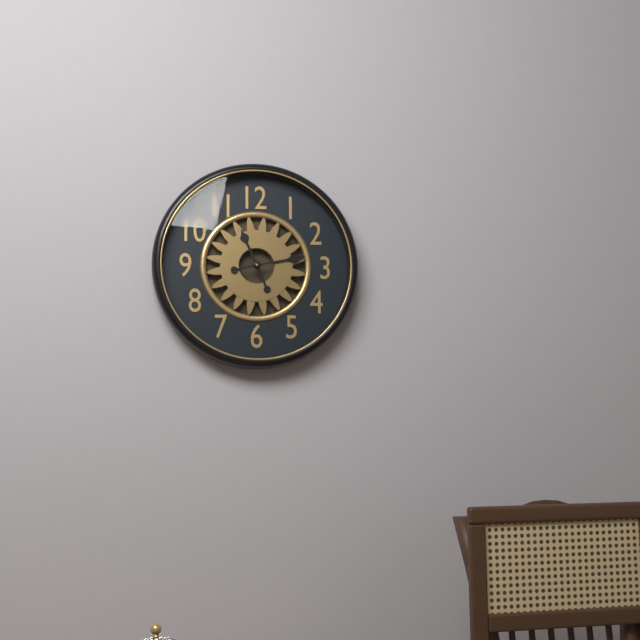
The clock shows **11:13**
